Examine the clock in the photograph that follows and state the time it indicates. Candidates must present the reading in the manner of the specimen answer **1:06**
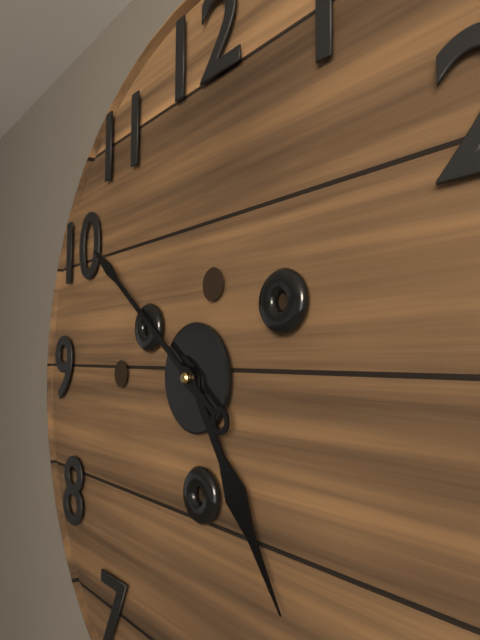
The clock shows **4:51**
